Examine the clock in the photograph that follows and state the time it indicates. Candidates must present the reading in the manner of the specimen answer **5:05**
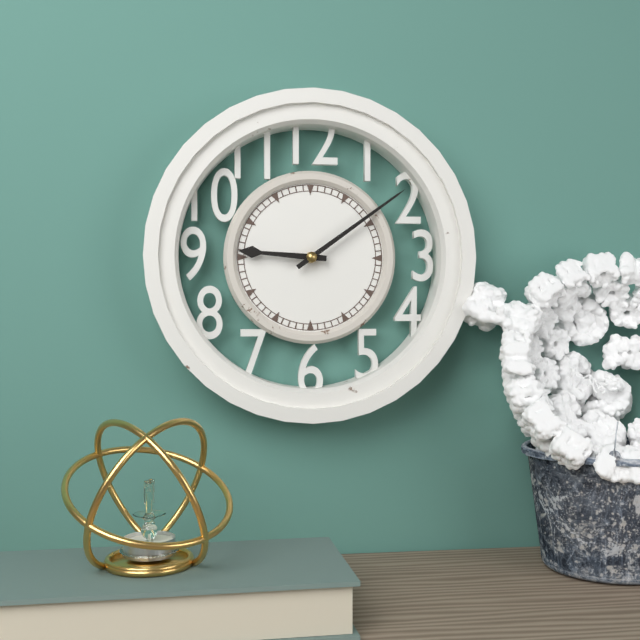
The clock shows **9:09**
